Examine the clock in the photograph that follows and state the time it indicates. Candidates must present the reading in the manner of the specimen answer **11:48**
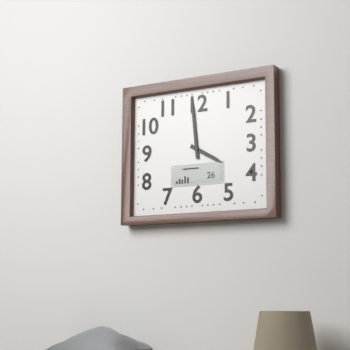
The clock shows **3:59**
